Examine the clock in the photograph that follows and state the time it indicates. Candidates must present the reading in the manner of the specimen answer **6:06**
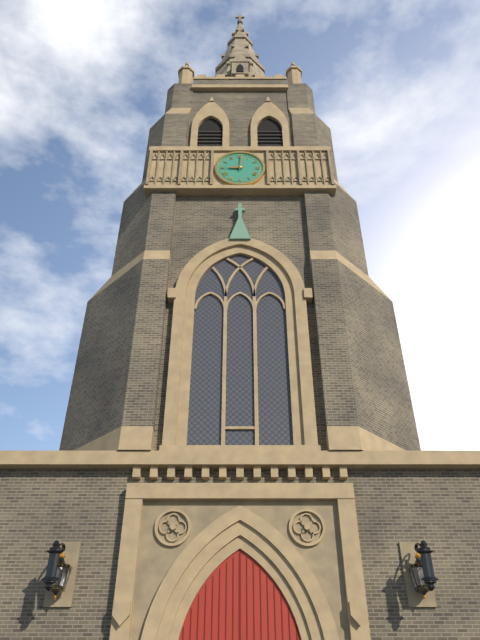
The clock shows **9:01**
